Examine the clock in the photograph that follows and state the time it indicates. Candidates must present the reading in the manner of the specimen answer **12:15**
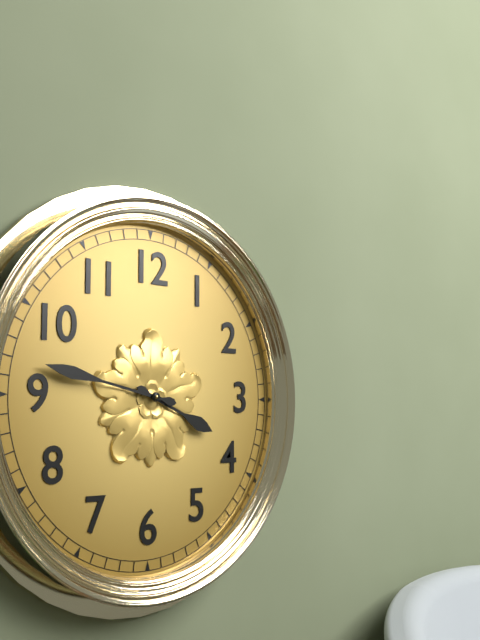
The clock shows **3:47**
